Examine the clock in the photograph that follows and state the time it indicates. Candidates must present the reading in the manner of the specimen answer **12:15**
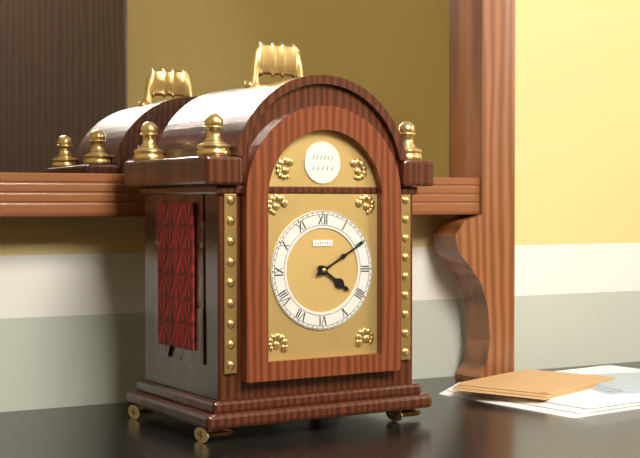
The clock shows **4:10**
